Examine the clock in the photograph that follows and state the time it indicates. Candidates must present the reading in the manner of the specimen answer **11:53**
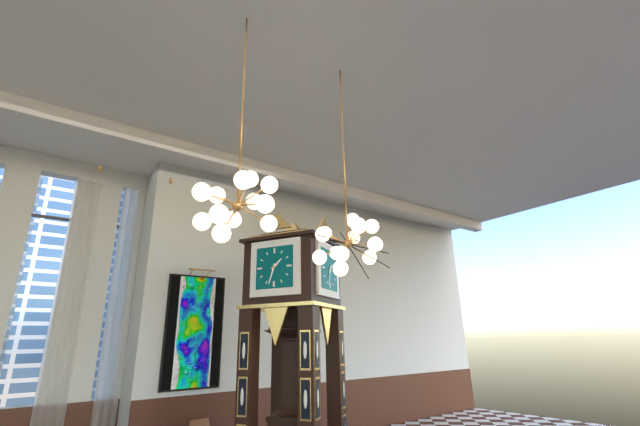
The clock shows **1:33**
